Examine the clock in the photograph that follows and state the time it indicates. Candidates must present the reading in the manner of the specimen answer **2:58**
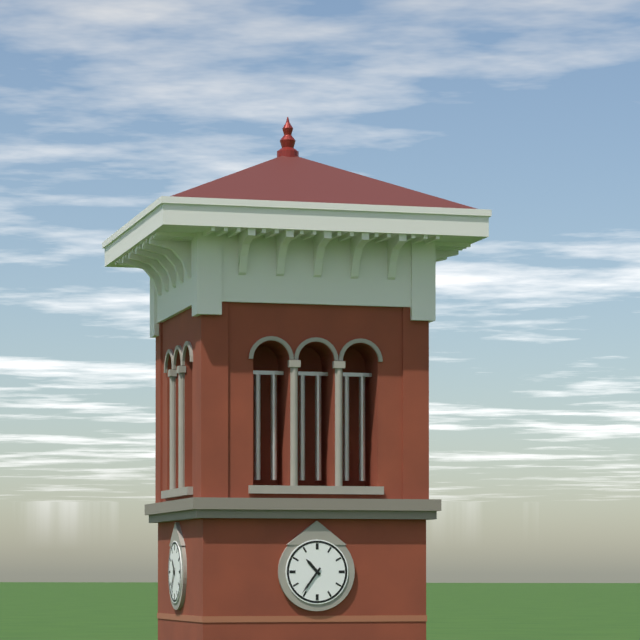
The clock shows **10:36**
